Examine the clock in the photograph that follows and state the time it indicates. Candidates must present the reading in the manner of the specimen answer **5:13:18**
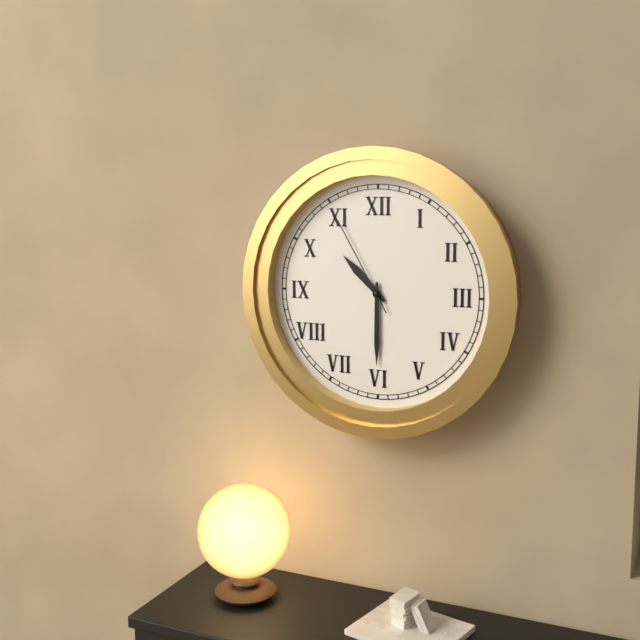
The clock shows **10:30:55**
